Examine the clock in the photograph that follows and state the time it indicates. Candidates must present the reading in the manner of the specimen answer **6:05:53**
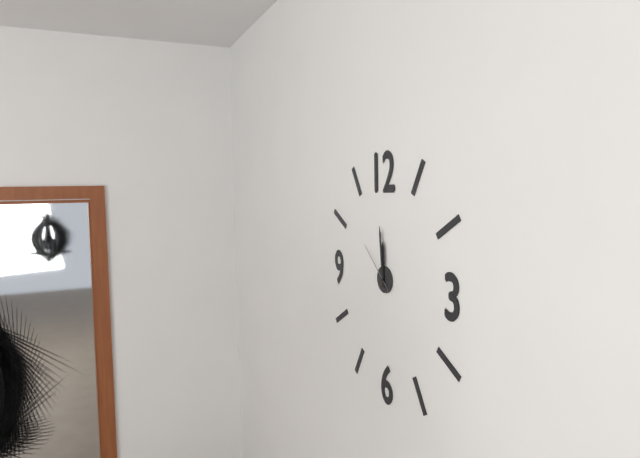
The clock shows **11:59:52**
